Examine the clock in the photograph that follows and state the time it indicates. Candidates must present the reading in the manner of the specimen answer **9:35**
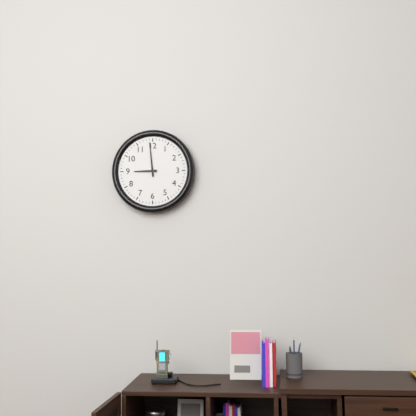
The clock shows **8:59**
